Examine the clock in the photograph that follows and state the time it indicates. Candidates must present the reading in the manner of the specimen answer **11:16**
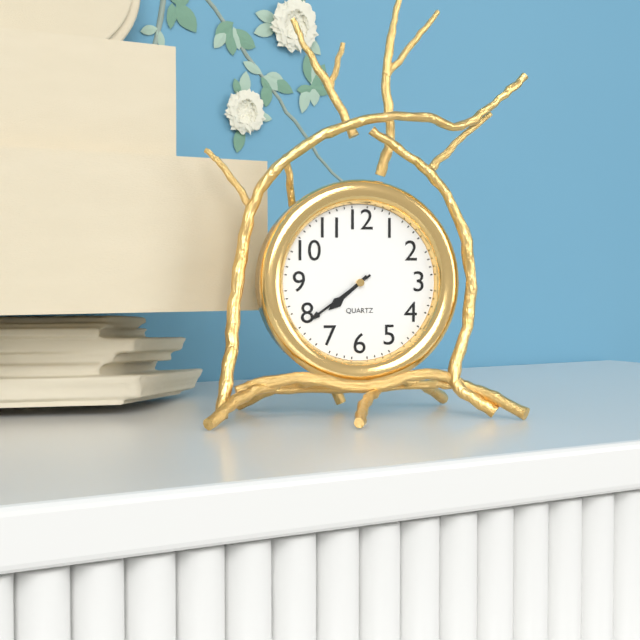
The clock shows **7:39**
